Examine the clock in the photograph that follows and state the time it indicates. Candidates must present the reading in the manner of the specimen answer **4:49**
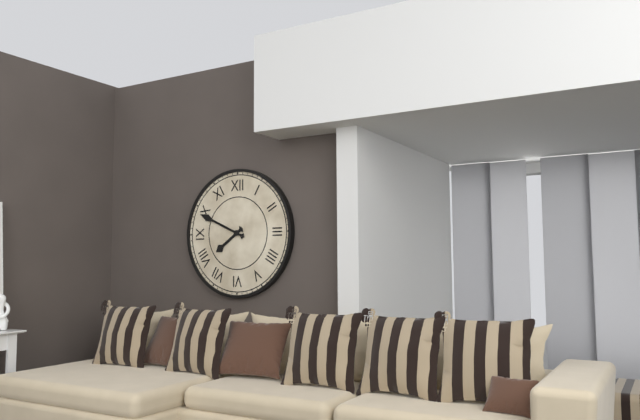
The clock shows **7:49**
